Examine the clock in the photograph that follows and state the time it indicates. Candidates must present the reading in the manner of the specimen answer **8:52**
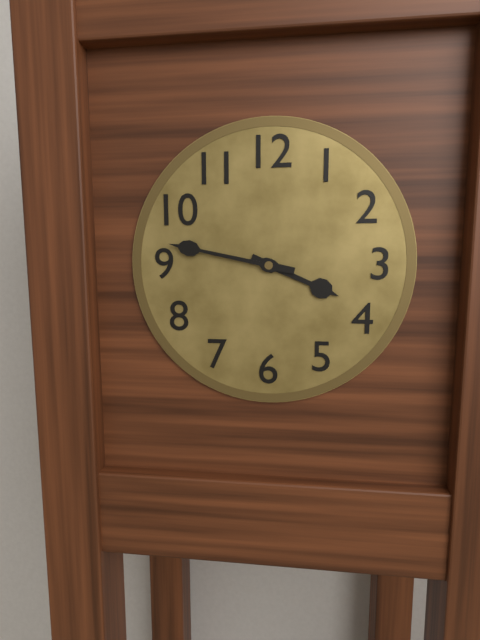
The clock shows **3:47**
